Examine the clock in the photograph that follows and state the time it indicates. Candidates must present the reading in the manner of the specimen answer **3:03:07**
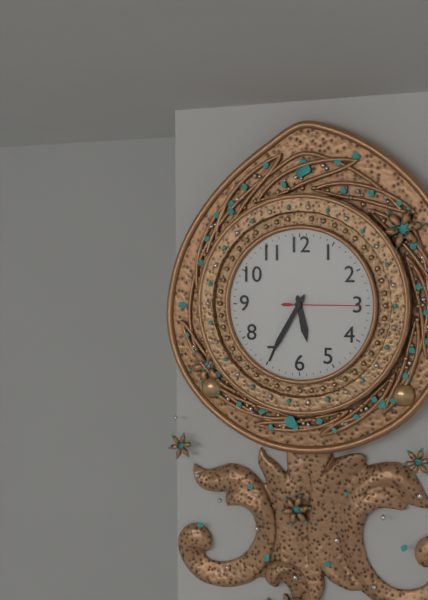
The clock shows **5:35:15**
